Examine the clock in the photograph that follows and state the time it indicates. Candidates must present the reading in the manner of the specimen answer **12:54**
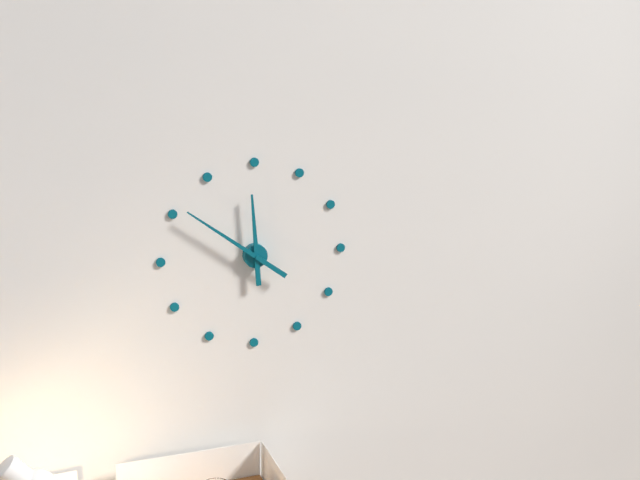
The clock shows **11:51**
